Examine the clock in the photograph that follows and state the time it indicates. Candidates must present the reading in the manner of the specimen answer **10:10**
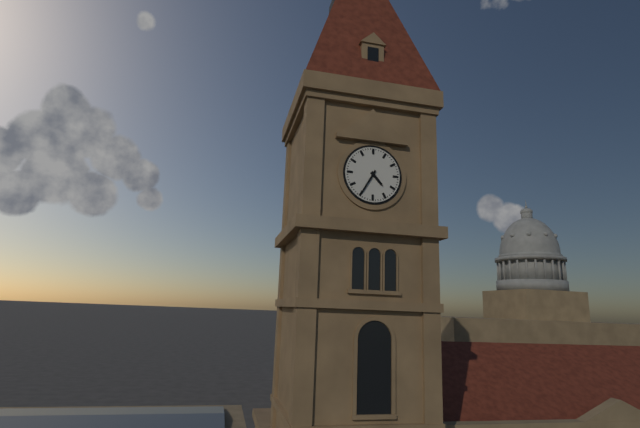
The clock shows **4:35**
